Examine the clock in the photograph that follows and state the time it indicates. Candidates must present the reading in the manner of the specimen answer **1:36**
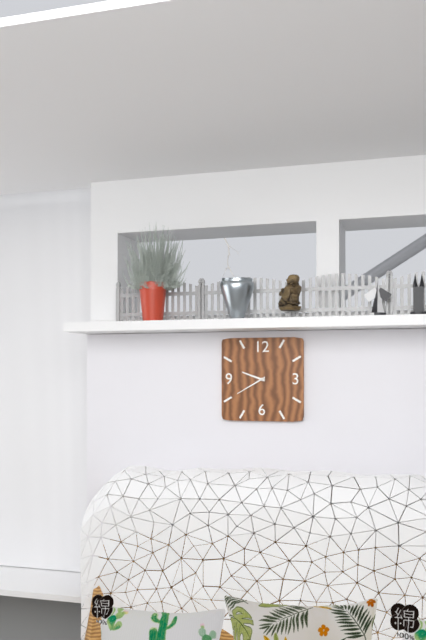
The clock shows **9:40**
